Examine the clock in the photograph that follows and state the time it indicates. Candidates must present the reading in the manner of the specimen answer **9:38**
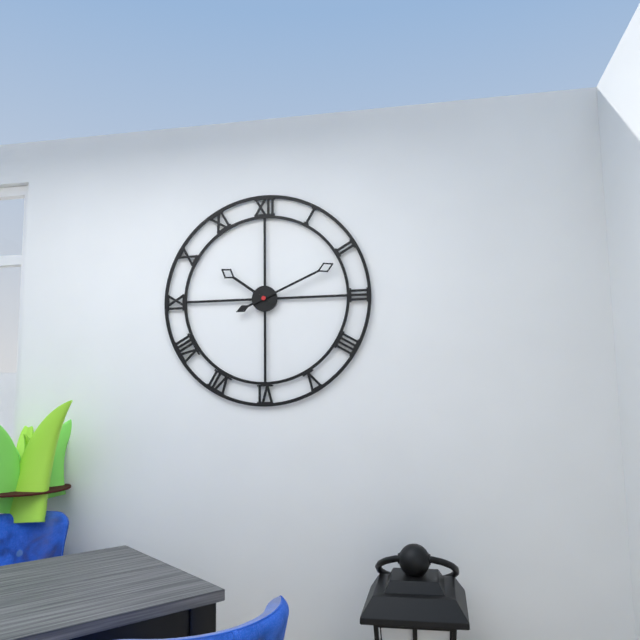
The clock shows **10:11**
